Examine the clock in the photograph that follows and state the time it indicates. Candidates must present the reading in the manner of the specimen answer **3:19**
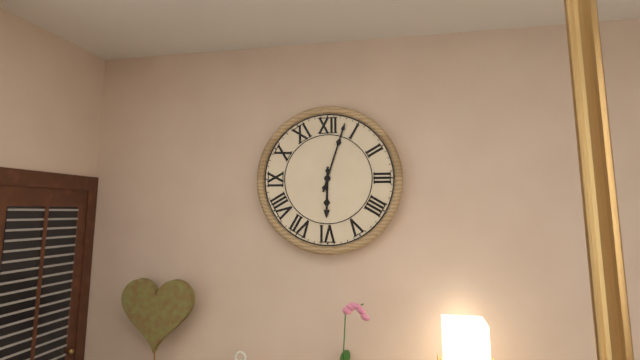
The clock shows **6:03**
